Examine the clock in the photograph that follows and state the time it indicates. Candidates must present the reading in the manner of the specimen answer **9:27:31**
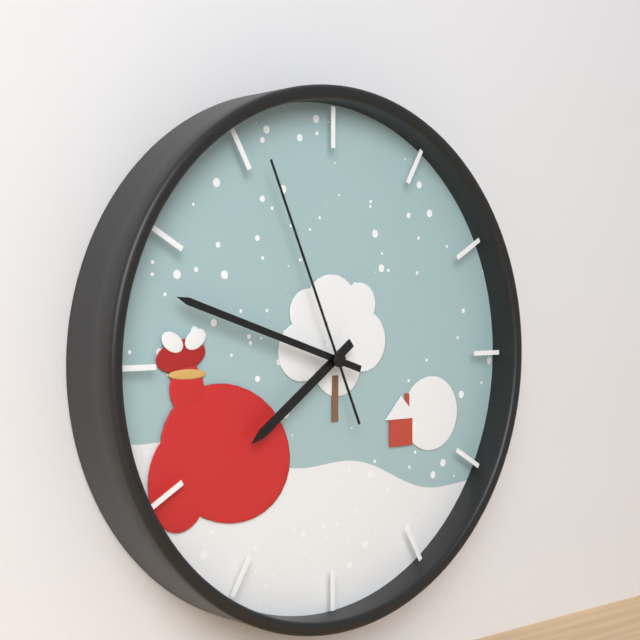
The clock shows **7:48:56**
